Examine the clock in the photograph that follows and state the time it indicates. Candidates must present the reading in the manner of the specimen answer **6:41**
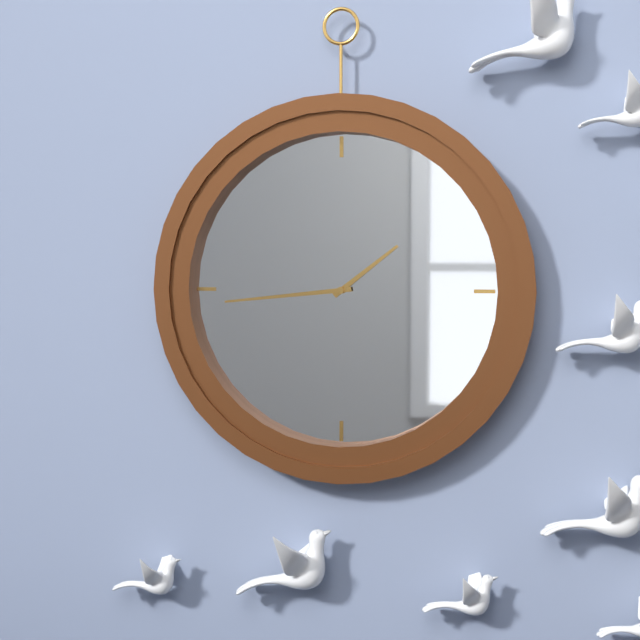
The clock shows **1:44**
